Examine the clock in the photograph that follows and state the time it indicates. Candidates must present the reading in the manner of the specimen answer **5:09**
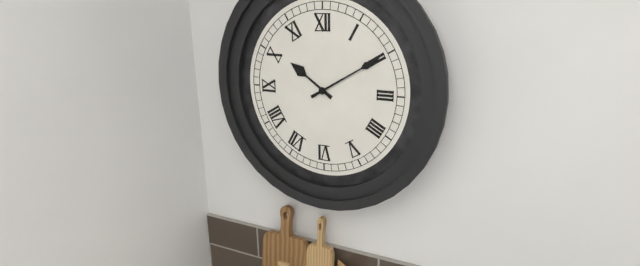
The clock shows **10:10**
